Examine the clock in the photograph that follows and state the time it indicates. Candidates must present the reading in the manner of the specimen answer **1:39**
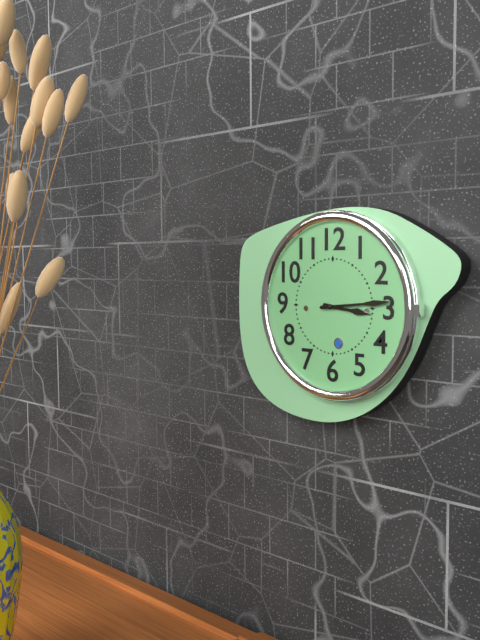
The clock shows **3:14**
